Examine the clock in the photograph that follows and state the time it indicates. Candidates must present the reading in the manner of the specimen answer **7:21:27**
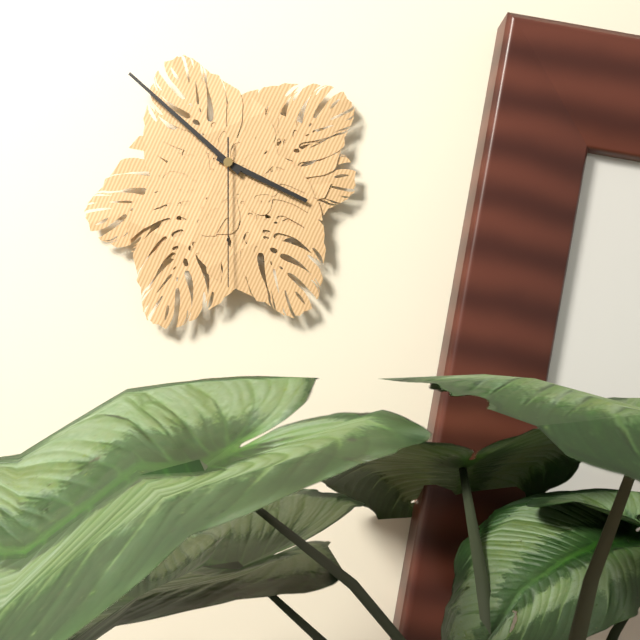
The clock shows **3:52:30**
